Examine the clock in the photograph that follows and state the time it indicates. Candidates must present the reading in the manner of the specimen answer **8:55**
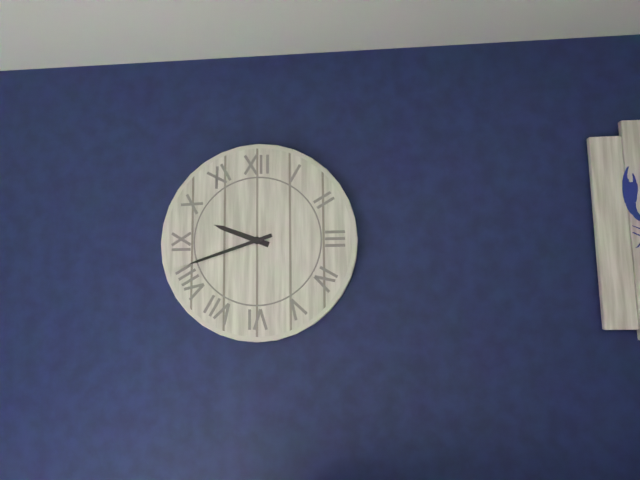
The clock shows **9:42**
